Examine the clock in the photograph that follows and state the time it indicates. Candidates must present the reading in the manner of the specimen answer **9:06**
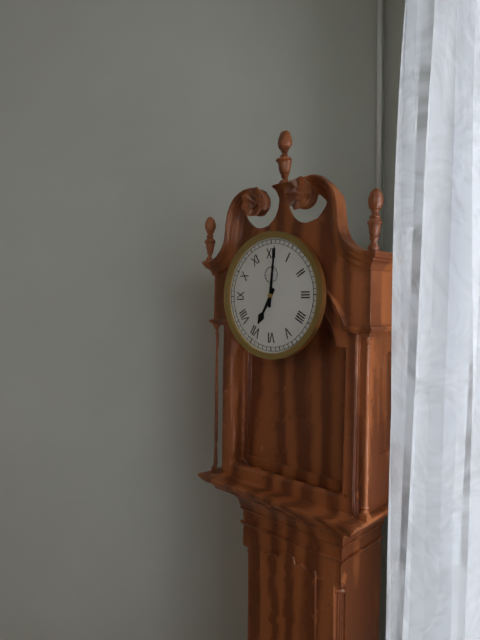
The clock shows **7:01**
